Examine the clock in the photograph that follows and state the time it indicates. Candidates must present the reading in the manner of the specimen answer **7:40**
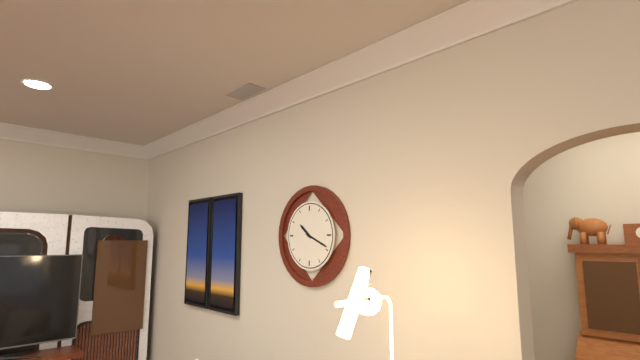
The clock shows **10:19**
